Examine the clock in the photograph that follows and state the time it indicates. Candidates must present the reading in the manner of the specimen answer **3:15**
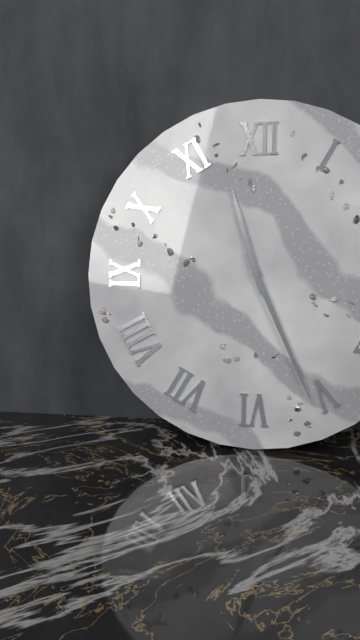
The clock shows **11:26**
